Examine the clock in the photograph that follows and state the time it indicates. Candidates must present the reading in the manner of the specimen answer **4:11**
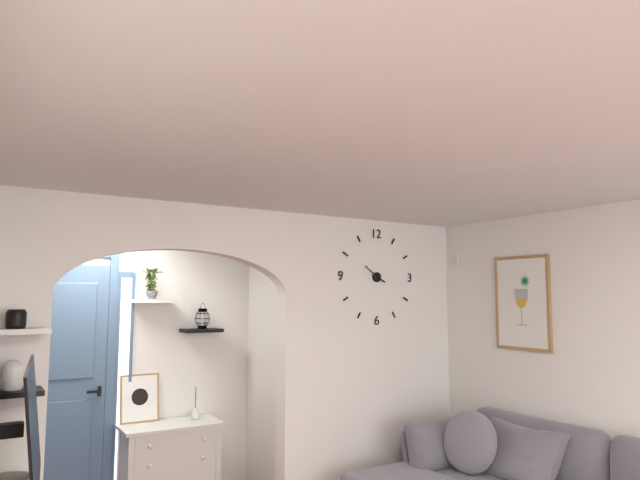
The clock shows **3:51**
